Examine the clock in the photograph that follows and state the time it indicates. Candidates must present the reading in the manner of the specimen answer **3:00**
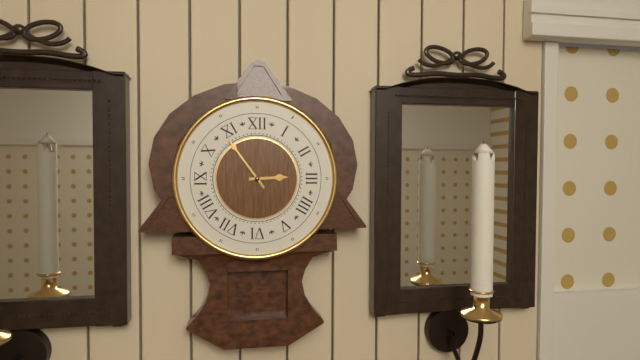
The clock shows **2:54**
